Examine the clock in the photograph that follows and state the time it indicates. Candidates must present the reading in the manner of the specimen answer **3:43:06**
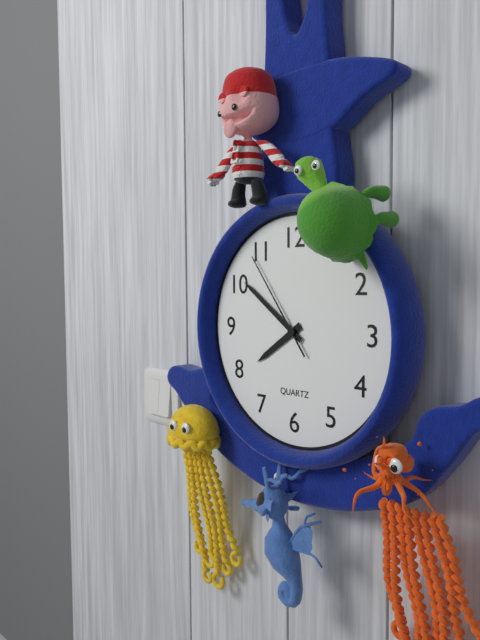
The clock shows **7:51:54**
